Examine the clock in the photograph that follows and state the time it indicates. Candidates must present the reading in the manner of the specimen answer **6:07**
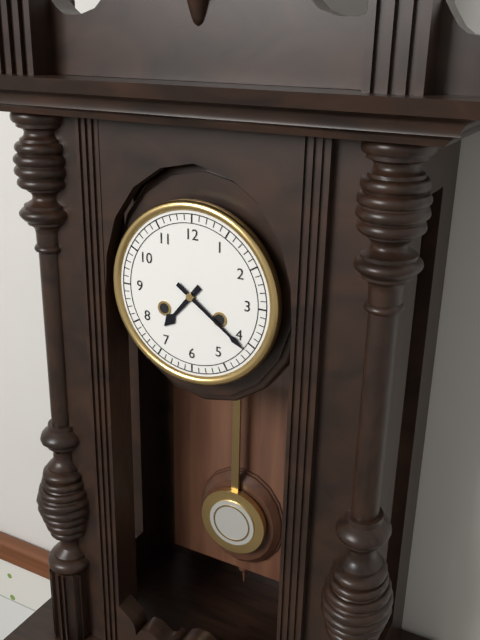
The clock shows **7:21**
